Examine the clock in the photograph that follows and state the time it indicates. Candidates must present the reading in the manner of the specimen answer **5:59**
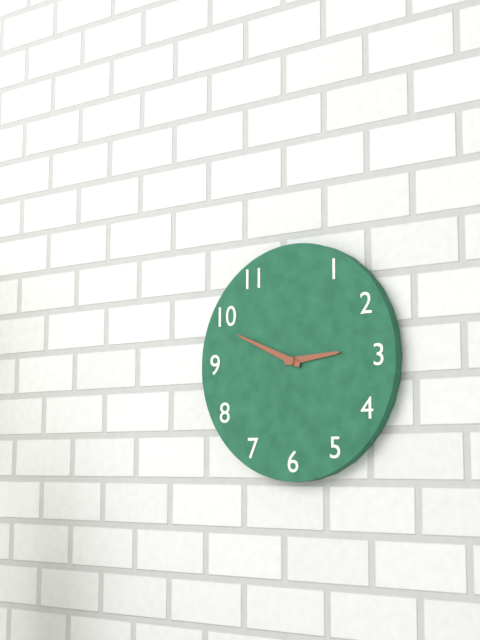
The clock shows **2:49**
